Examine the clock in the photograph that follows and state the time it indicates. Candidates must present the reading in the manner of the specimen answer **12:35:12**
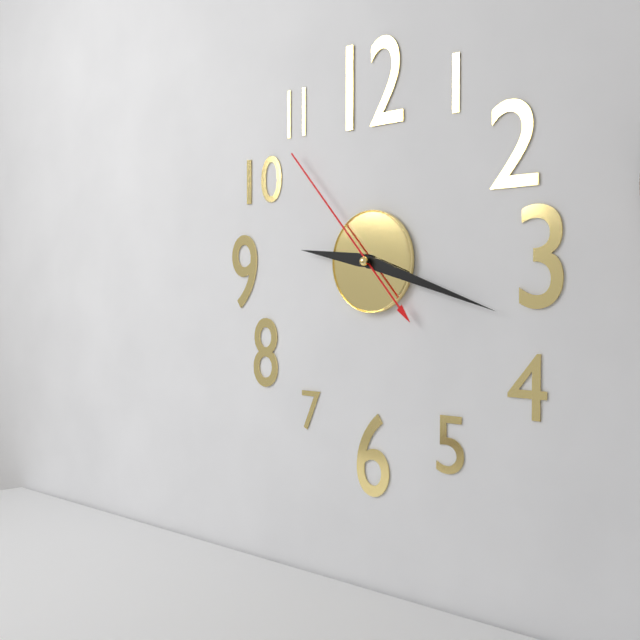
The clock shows **9:18:53**
